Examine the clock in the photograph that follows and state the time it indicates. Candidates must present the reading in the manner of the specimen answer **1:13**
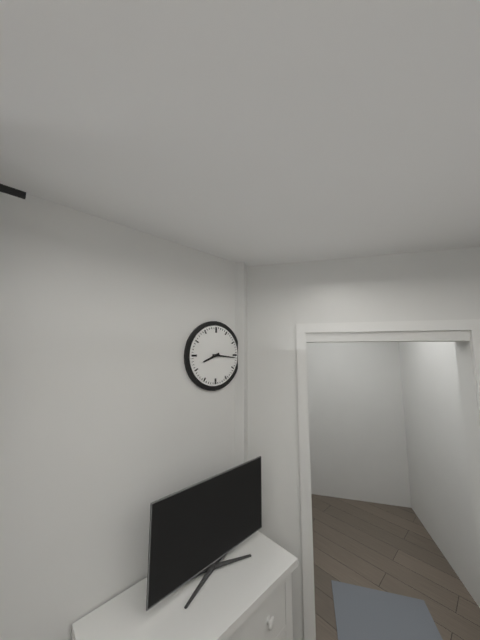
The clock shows **8:16**
